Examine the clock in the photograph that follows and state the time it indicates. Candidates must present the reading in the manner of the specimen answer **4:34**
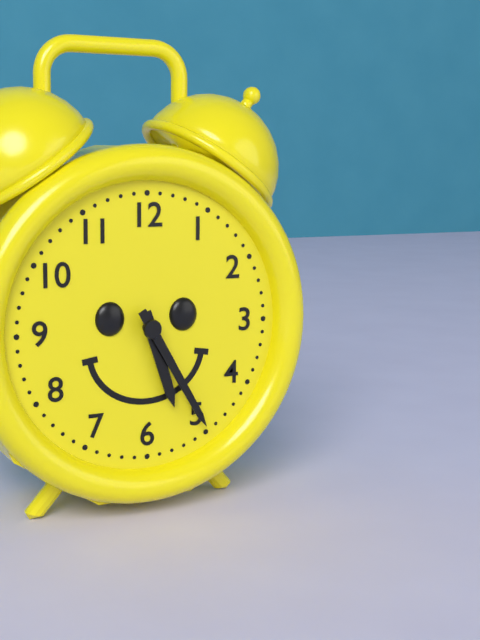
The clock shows **5:25**
